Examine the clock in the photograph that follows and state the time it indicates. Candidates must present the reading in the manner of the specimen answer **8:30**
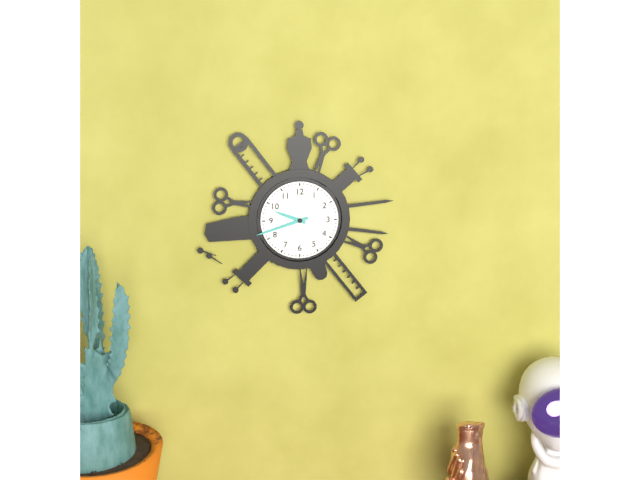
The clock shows **9:42**
